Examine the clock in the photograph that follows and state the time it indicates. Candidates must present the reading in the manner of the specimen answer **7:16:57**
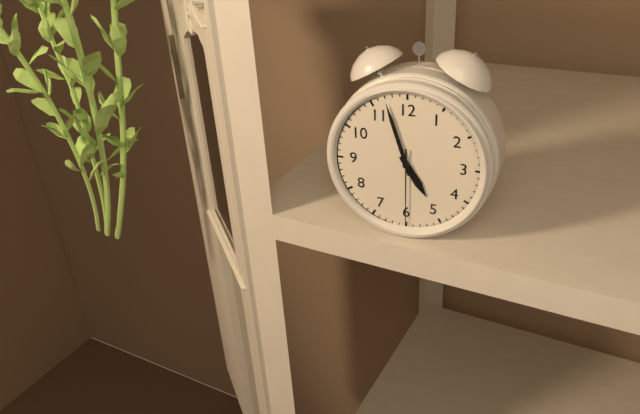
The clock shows **4:57:30**
